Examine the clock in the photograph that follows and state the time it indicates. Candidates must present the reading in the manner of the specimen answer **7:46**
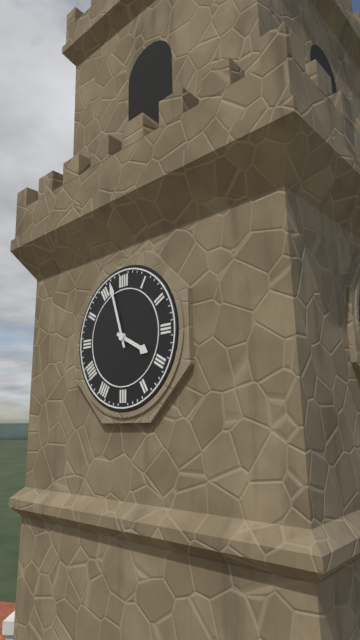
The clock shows **3:57**
